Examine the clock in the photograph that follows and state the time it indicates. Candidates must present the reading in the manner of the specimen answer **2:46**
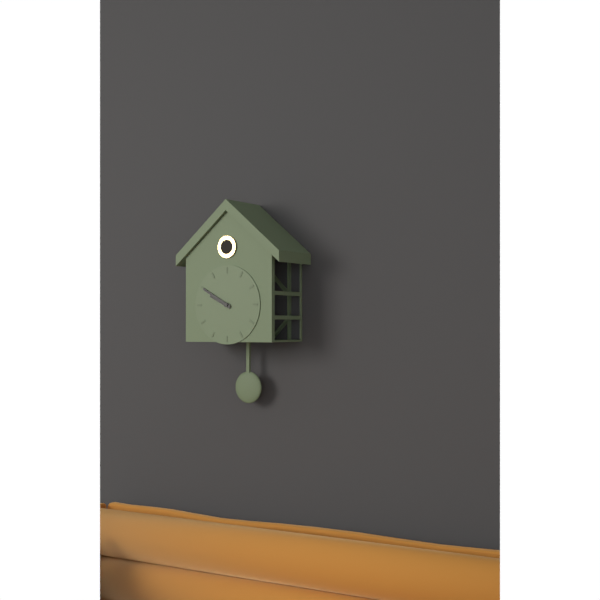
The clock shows **9:50**
